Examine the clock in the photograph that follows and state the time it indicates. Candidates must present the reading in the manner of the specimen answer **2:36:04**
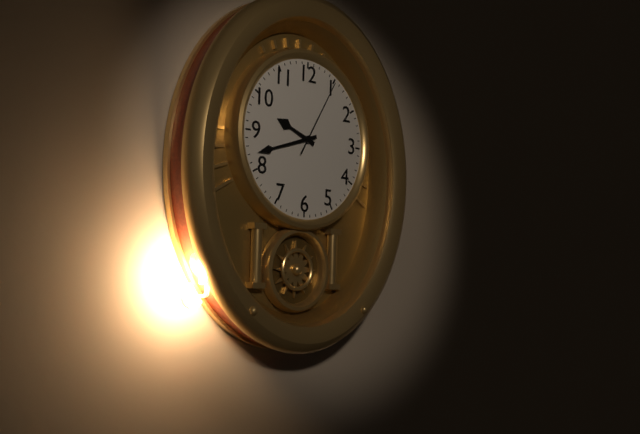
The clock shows **9:42:05**
